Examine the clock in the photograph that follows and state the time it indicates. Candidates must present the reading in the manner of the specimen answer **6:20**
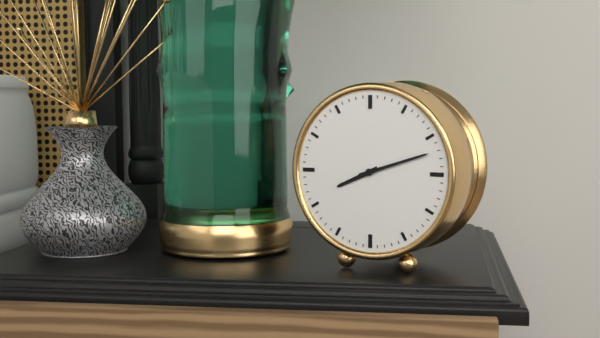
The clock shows **8:12**
